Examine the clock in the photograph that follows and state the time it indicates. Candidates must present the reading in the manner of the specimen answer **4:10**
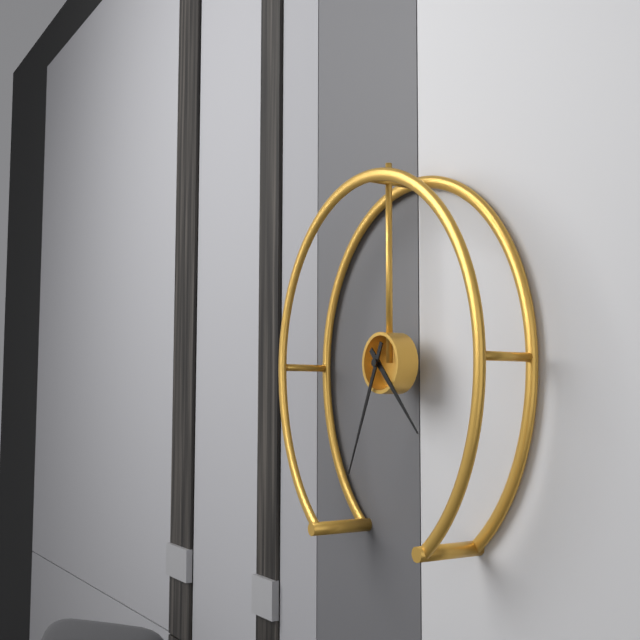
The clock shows **4:34**
